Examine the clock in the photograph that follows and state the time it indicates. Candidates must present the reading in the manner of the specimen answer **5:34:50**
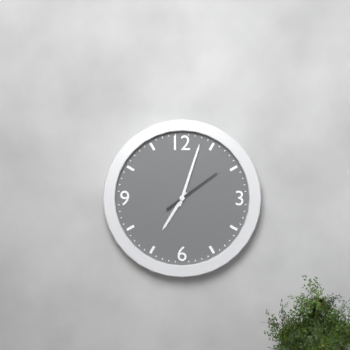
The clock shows **7:03:09**
